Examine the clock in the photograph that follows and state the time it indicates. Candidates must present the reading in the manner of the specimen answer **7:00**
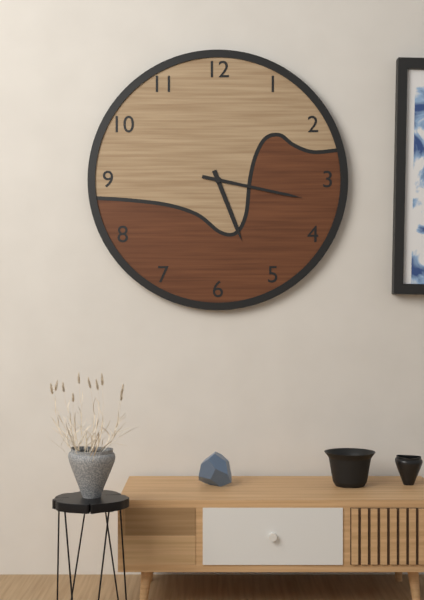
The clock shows **5:17**
